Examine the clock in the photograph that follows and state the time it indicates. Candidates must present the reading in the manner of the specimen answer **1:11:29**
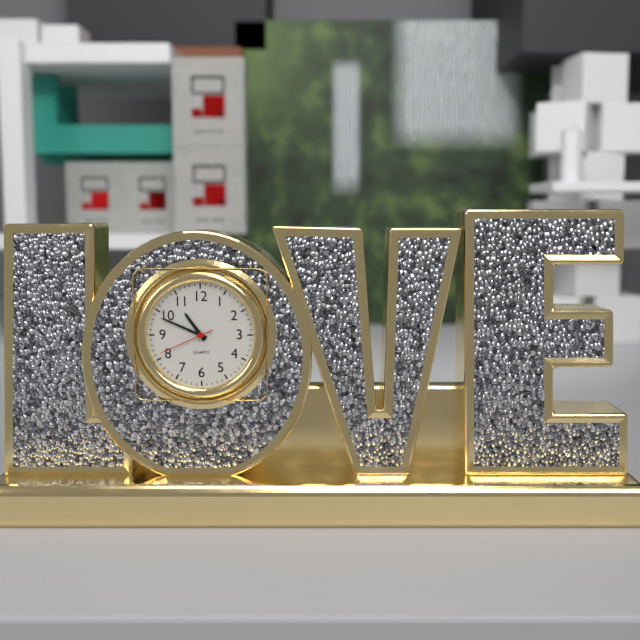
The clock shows **10:49:41**
